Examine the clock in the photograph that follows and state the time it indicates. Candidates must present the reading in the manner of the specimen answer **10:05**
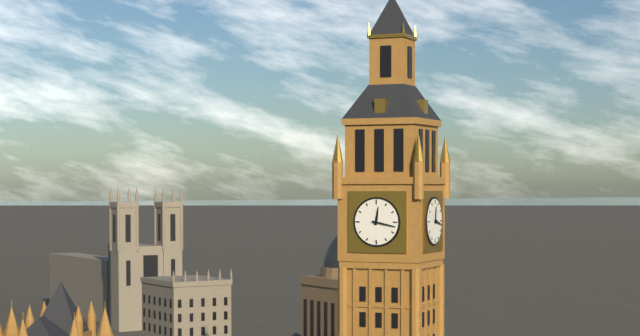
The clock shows **12:17**
